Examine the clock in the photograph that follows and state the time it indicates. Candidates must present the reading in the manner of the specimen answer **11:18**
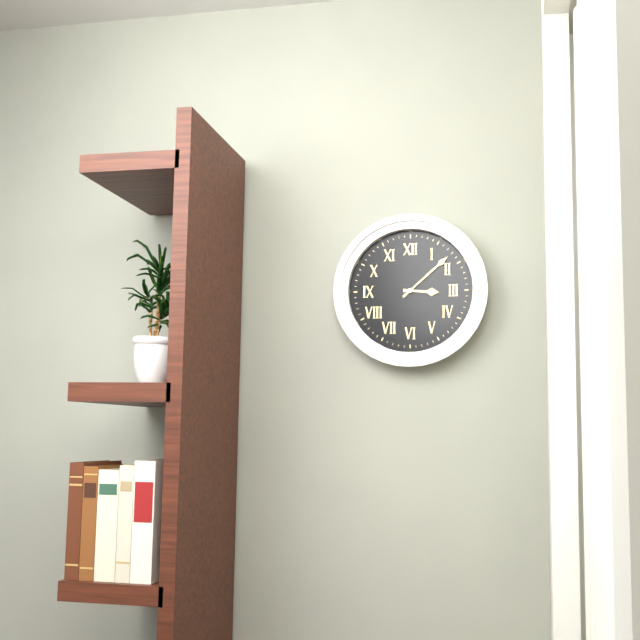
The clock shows **3:08**
